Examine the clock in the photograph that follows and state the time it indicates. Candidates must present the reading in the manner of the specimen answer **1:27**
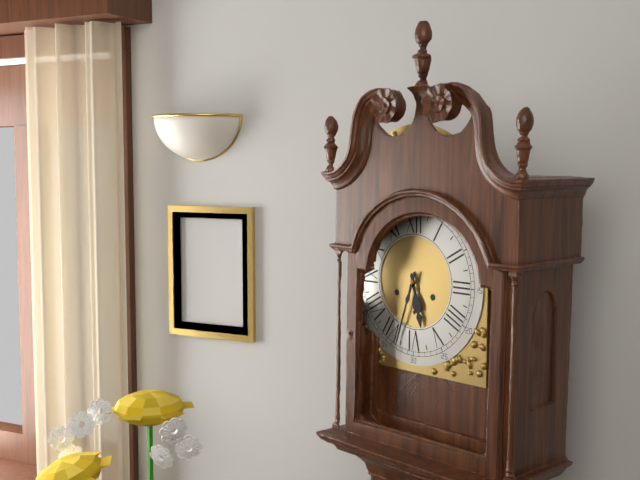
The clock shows **5:33**
